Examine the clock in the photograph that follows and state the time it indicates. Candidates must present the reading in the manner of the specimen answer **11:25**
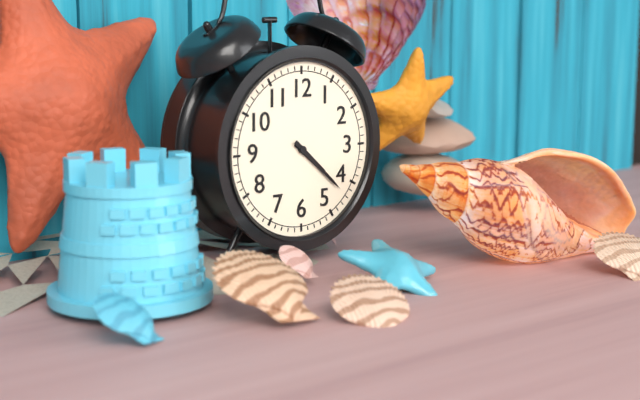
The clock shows **4:22**
